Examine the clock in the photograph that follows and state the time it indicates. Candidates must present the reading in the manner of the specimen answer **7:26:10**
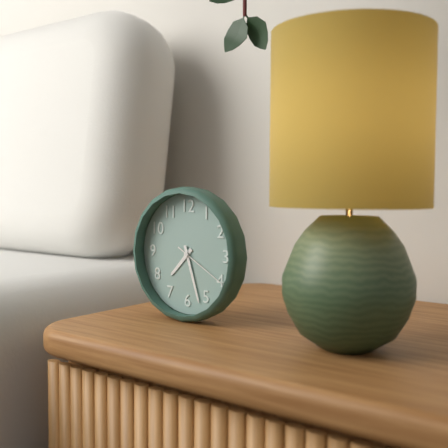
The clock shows **7:27:20**
